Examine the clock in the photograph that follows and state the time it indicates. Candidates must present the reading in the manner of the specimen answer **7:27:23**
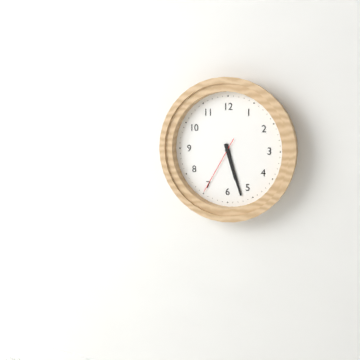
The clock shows **5:27:35**
